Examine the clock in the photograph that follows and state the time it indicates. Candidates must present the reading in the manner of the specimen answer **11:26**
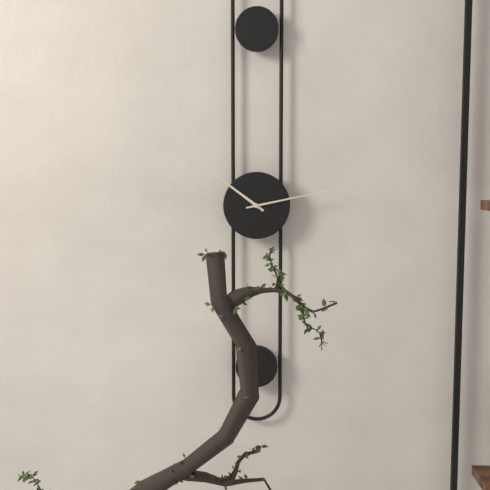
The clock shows **10:13**
